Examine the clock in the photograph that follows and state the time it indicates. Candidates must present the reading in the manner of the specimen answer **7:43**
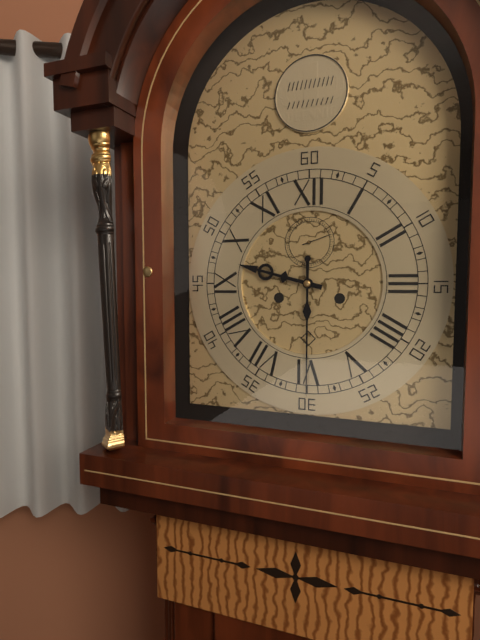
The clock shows **9:30**
